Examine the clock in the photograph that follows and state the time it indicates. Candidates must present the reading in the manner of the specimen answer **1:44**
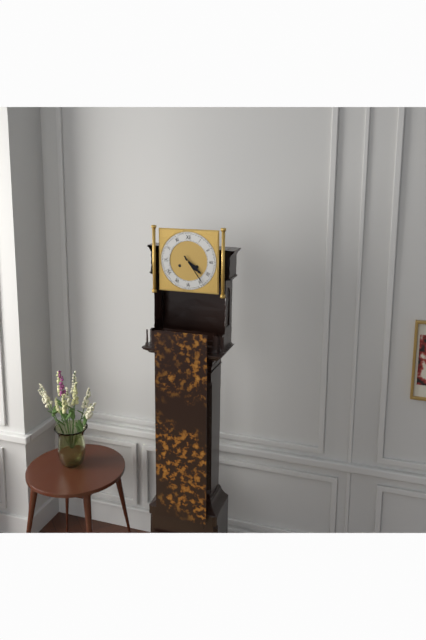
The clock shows **4:24**
